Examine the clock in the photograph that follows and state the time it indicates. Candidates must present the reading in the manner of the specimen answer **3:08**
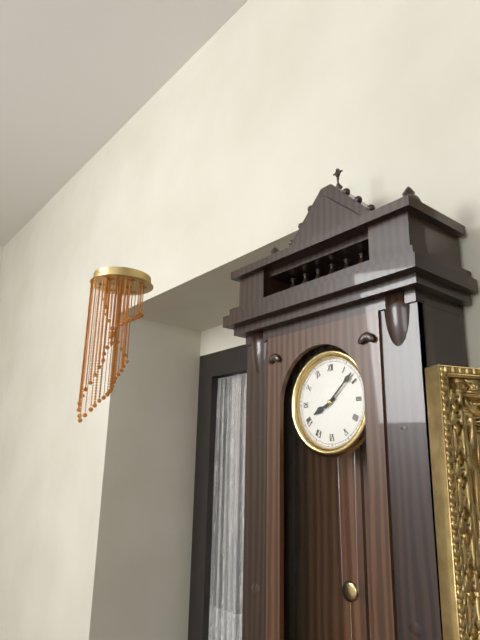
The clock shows **8:08**
